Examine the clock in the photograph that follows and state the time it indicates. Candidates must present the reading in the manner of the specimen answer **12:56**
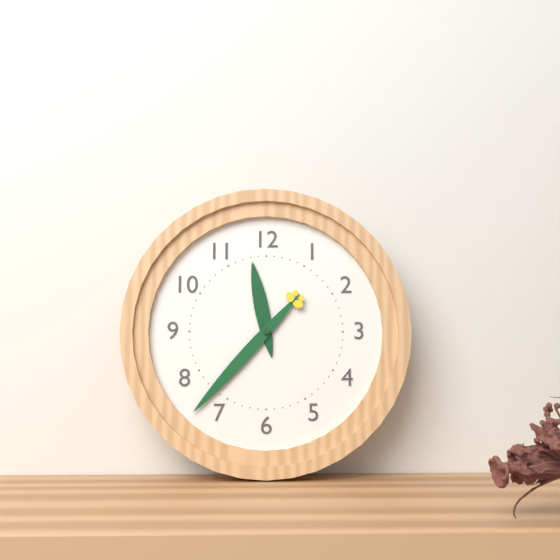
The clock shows **11:37**
